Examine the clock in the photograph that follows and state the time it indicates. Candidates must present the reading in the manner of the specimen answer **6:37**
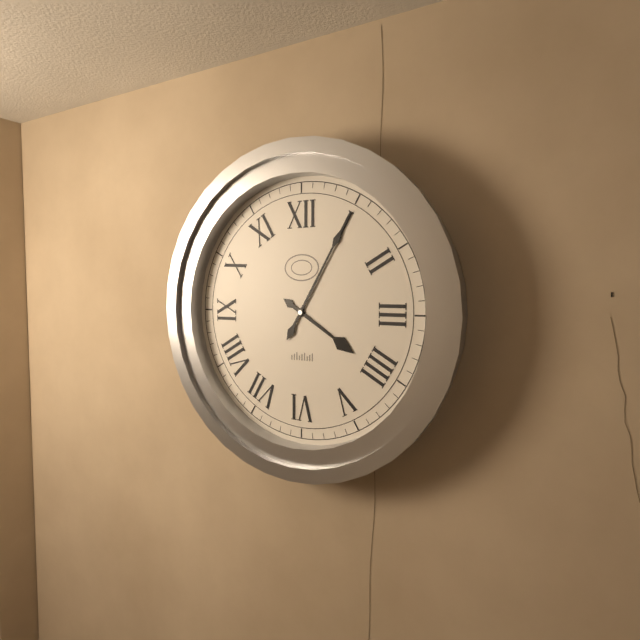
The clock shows **4:05**
